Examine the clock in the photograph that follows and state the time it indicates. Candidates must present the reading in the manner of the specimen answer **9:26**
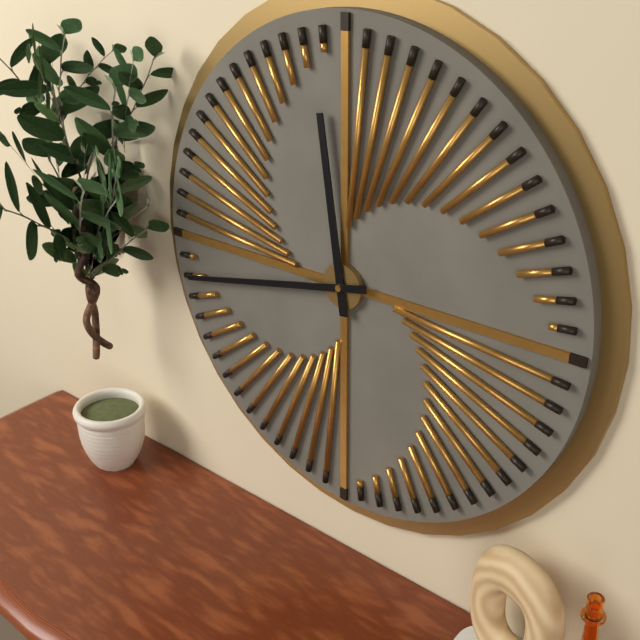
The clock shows **11:43**
